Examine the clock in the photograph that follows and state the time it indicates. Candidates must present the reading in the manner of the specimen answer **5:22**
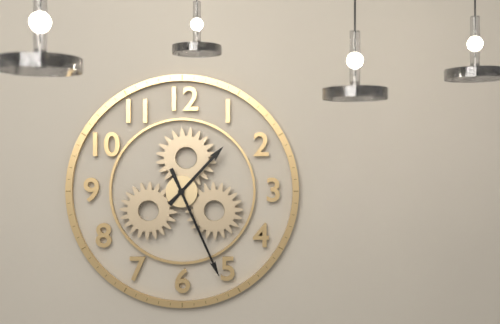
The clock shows **1:26**
